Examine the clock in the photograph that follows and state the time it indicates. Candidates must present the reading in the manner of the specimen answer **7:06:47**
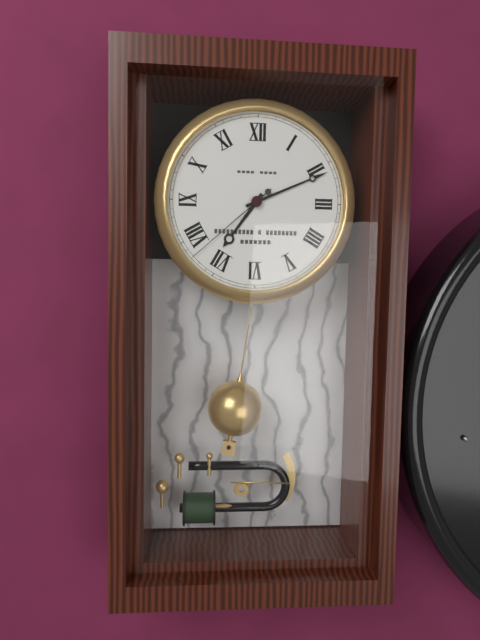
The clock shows **7:11:38**
